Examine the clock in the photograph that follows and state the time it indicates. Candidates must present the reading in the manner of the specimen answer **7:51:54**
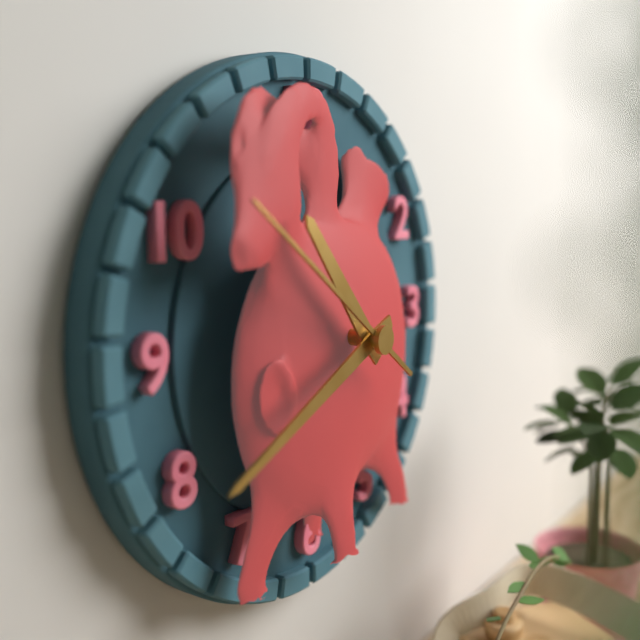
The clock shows **10:41:51**
